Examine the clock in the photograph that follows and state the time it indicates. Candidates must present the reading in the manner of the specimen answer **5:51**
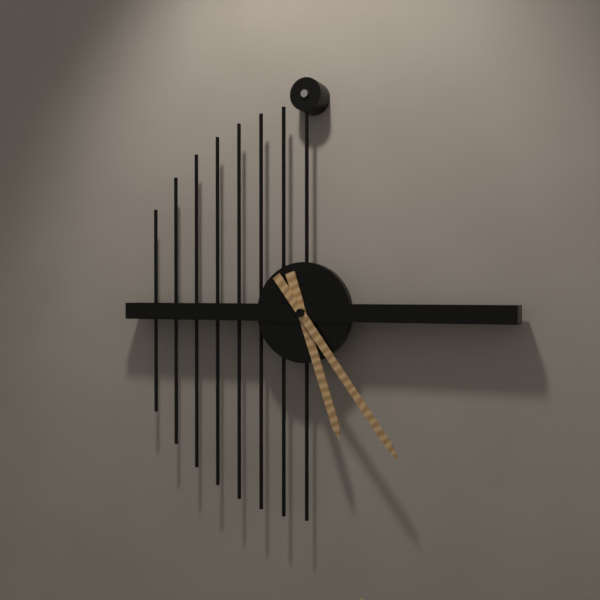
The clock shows **5:24**
